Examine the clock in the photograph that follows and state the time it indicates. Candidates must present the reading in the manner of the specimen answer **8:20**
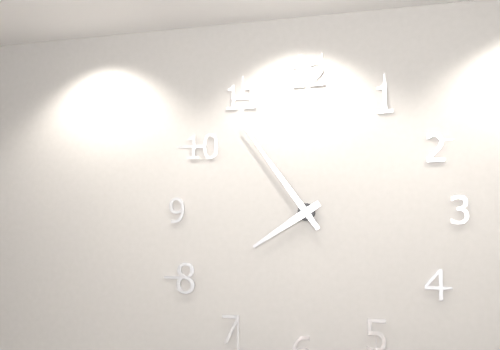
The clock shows **7:54**
